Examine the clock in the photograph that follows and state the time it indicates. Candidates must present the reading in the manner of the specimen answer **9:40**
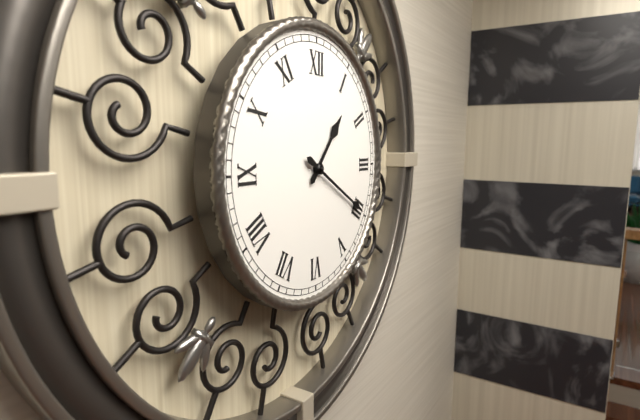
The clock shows **1:20**
